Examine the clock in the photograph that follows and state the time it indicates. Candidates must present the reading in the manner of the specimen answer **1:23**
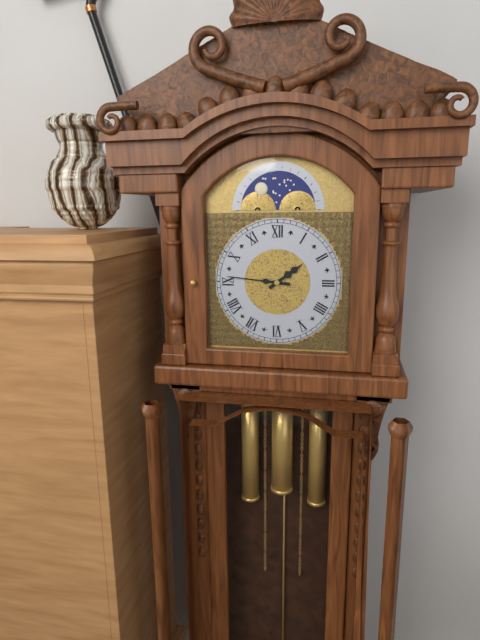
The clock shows **1:46**
